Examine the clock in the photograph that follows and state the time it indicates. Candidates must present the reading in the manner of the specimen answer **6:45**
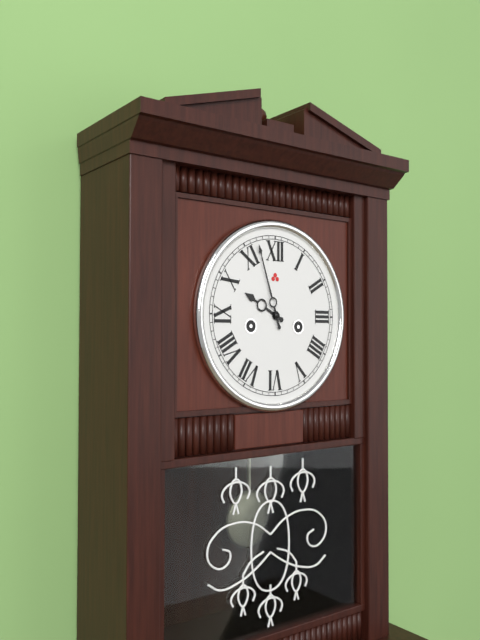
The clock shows **9:57**
